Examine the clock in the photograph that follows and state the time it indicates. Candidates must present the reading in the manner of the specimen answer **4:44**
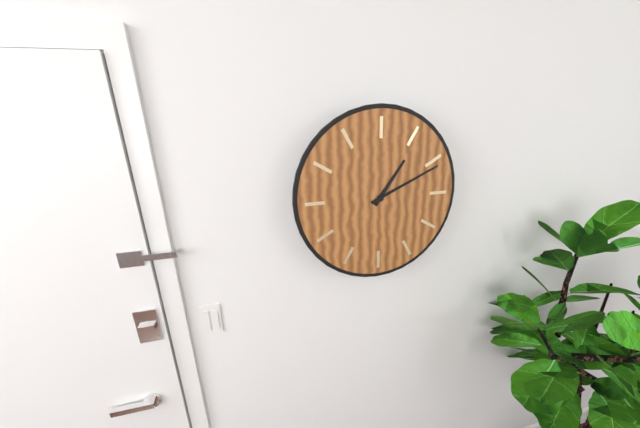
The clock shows **1:11**
